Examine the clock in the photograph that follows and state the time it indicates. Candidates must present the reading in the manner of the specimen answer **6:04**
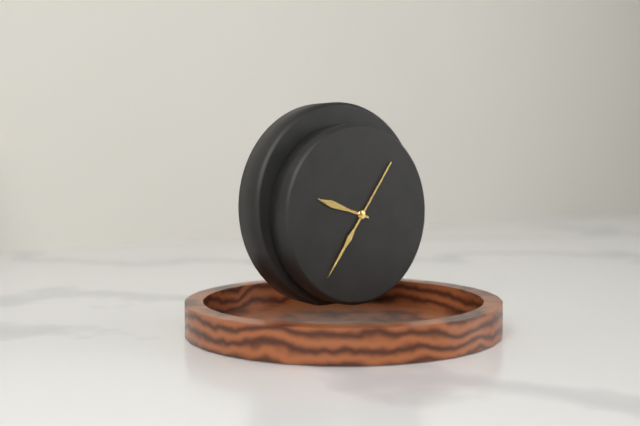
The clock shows **9:36**
